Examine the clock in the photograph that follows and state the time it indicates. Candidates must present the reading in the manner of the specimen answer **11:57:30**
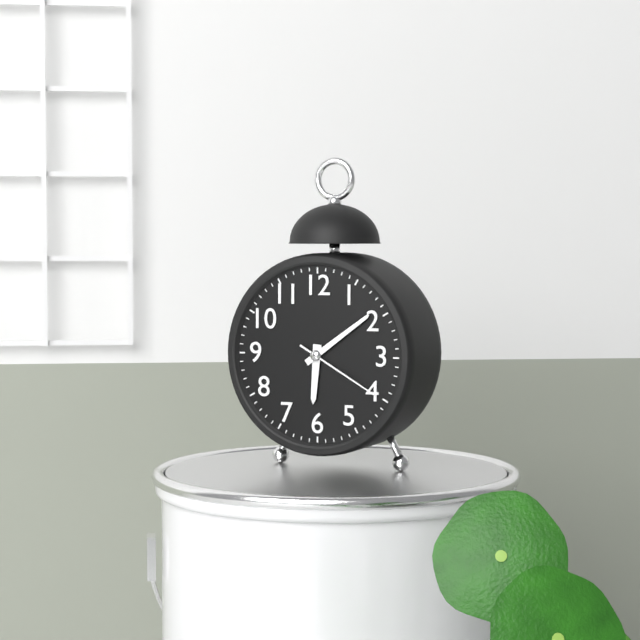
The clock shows **6:09:20**
